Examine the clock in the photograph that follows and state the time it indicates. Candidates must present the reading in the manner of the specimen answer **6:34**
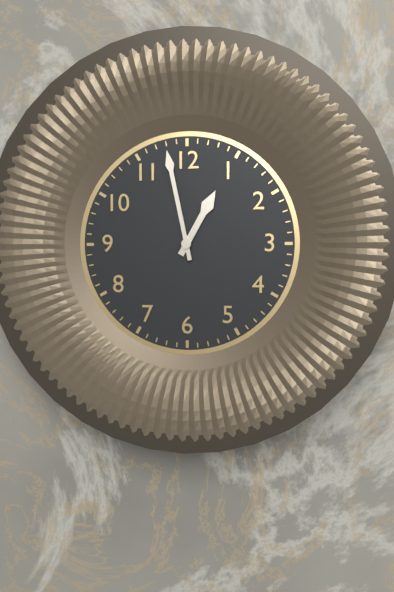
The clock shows **12:58**
